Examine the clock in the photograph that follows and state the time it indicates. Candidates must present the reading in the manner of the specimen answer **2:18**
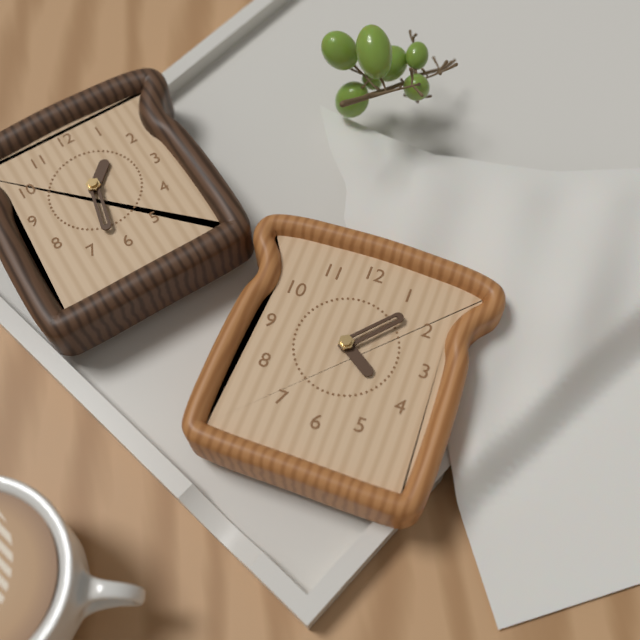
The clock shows **4:07**
